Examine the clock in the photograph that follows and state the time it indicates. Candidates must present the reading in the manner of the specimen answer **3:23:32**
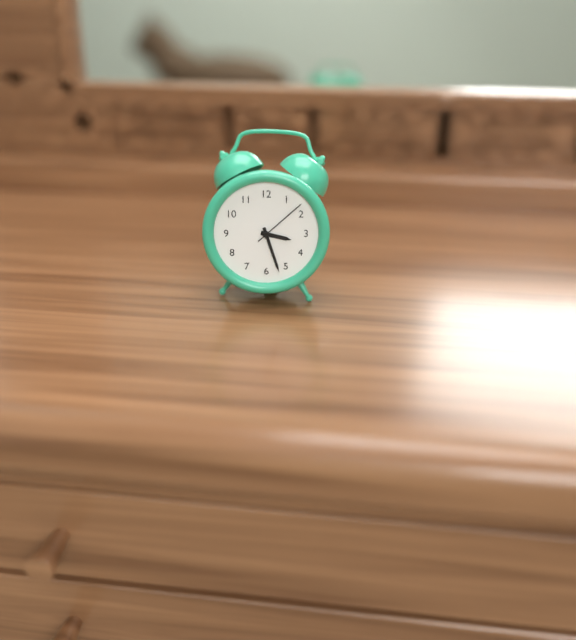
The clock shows **3:27:08**
